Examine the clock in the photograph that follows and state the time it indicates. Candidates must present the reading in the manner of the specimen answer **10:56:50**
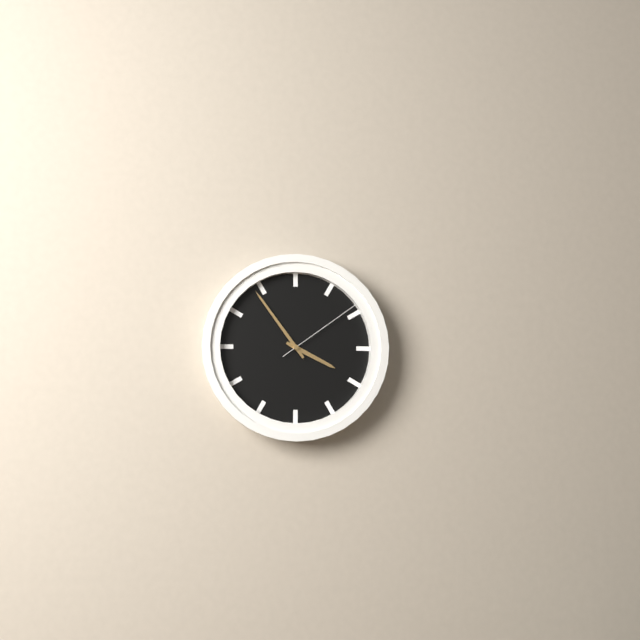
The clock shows **3:54:09**
